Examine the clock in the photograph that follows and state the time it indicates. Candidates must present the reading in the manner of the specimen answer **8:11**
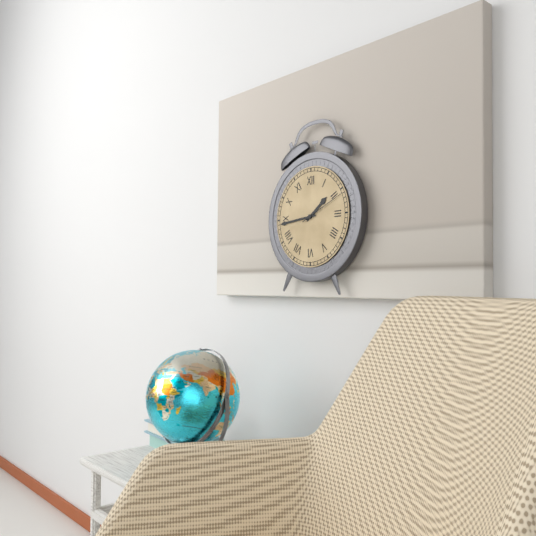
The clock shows **1:44**
